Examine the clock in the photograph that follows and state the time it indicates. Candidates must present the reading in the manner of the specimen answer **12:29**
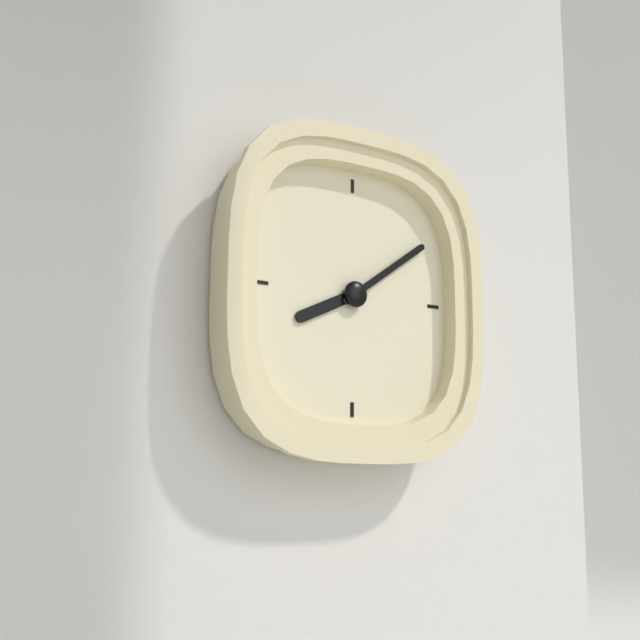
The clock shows **8:09**
